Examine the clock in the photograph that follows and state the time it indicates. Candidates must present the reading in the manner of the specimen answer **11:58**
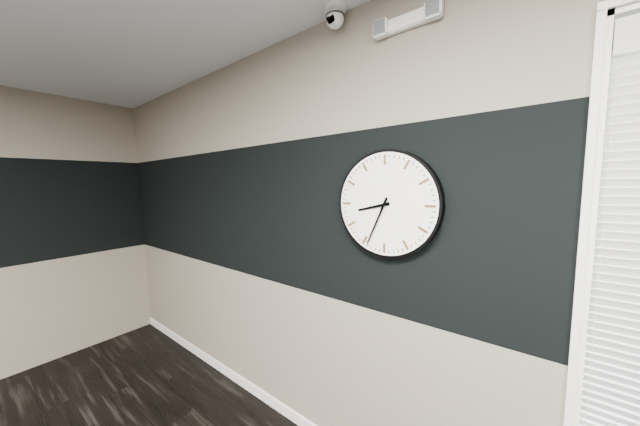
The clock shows **8:34**
